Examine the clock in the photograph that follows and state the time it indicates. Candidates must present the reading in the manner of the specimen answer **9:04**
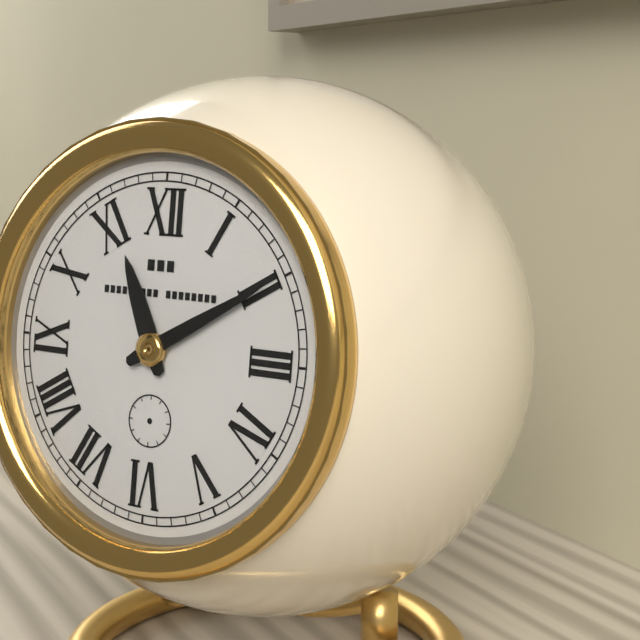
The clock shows **11:10**
